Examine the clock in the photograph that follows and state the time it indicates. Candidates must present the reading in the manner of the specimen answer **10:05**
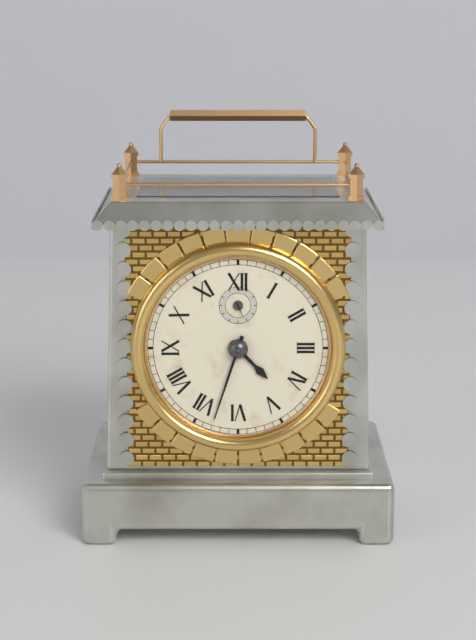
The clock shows **4:33**
